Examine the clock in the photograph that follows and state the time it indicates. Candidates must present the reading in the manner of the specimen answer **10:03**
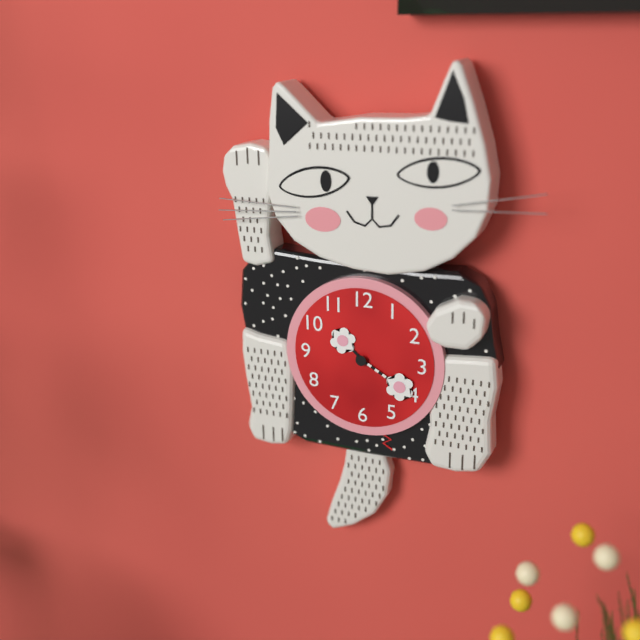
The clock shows **10:20**
